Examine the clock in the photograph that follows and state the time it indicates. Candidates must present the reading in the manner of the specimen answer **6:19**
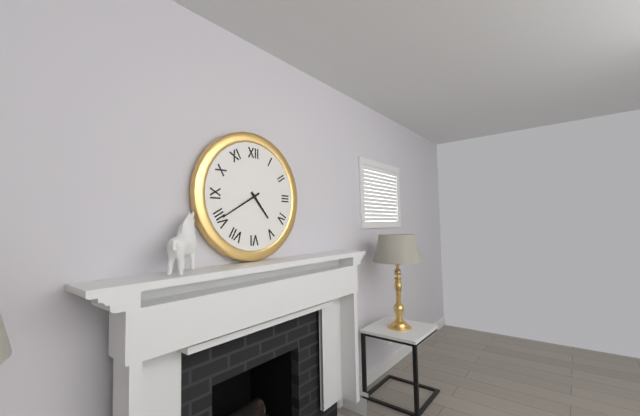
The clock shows **4:40**
